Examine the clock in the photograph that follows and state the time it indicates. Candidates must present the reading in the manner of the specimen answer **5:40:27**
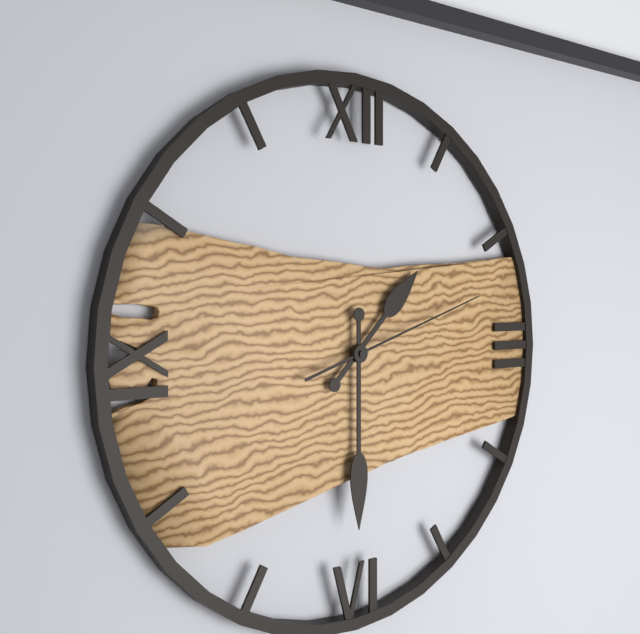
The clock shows **1:30:12**
